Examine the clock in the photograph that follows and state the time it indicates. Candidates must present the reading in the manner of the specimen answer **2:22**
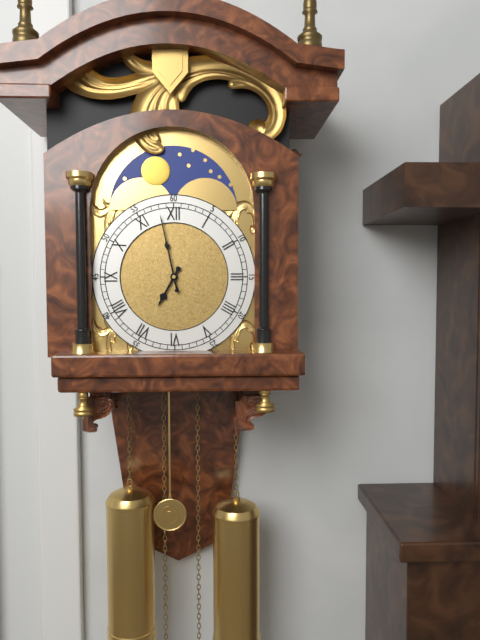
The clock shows **6:58**
